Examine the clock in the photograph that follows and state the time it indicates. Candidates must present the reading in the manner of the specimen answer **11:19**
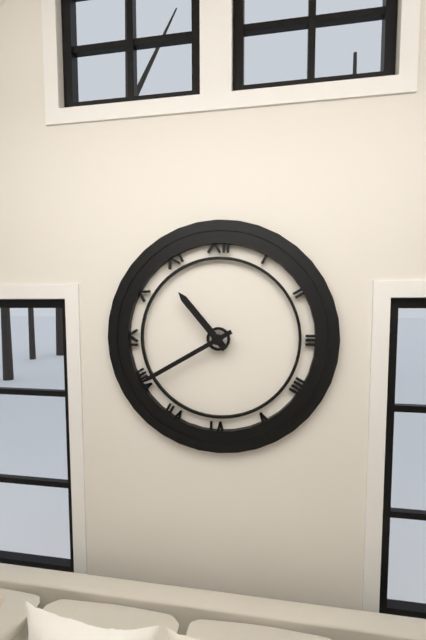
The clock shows **10:40**
